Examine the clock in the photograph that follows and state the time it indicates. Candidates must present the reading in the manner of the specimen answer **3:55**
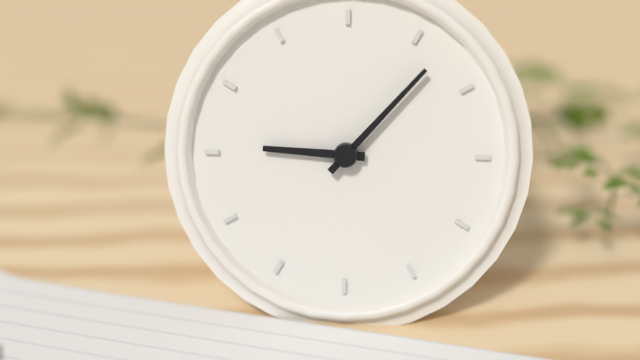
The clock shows **9:07**
